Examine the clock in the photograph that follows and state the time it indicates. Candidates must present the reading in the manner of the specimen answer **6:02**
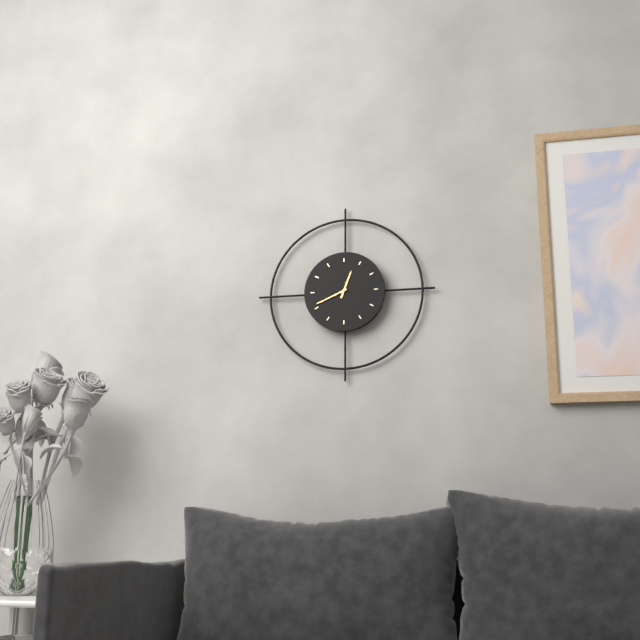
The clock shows **12:41**
